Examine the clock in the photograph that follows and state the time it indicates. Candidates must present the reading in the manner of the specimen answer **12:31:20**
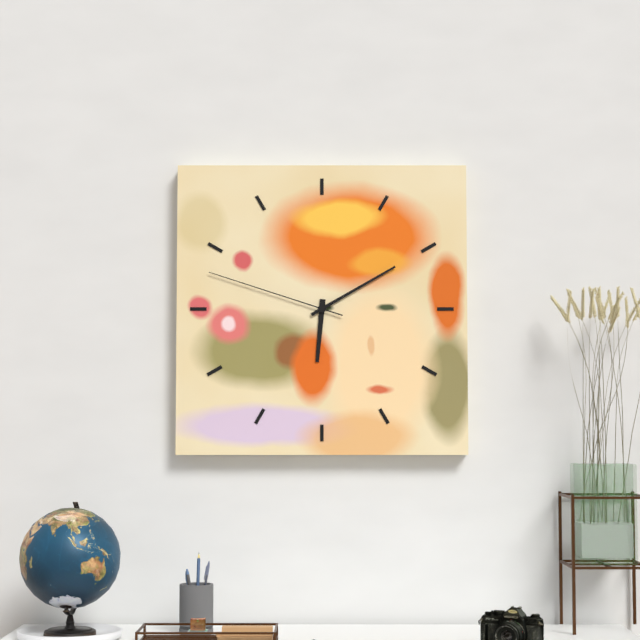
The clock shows **6:10:48**
